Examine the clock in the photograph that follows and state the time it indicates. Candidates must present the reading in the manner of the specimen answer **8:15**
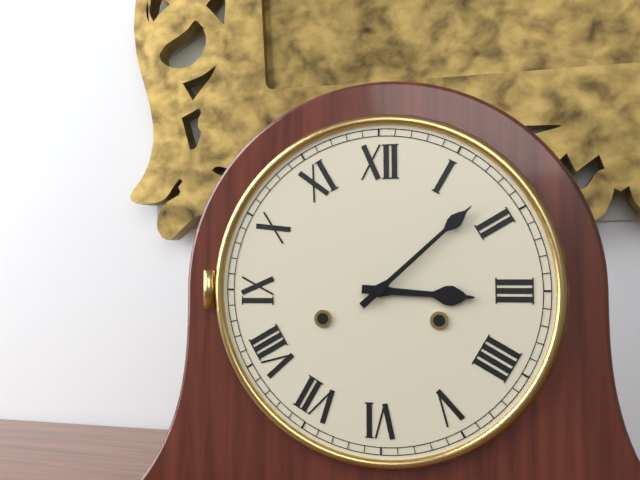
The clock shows **3:08**
